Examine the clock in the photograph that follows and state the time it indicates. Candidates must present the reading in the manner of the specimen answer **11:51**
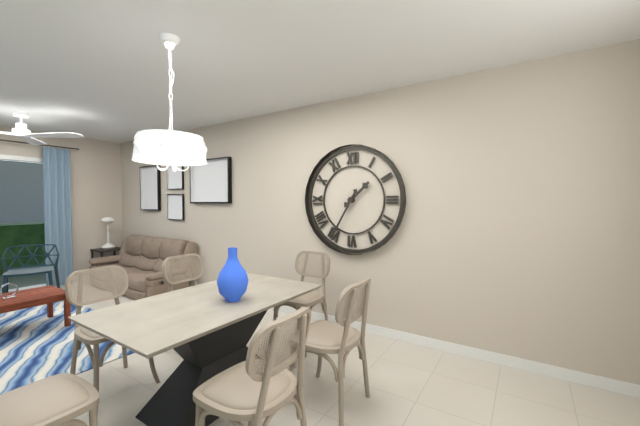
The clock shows **1:35**
